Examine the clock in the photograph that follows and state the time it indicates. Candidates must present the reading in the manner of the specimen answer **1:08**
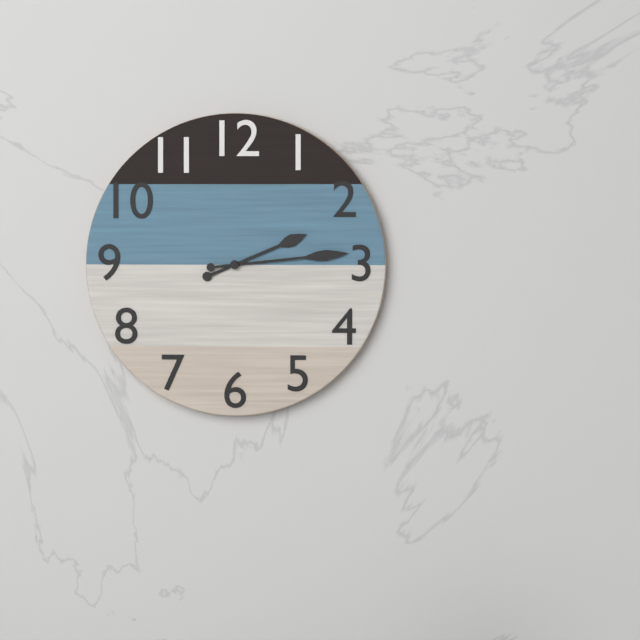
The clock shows **2:14**
